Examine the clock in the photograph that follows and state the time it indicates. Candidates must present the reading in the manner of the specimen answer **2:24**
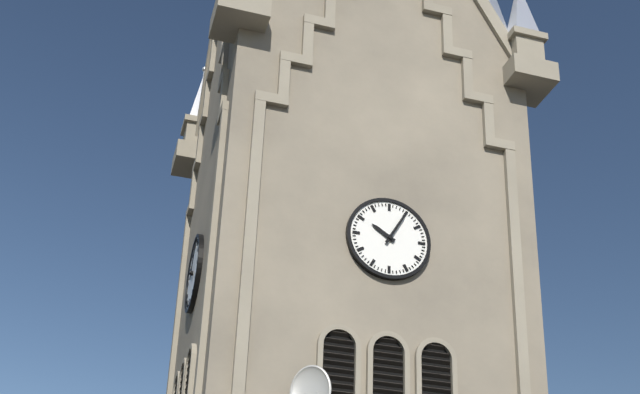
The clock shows **10:05**
